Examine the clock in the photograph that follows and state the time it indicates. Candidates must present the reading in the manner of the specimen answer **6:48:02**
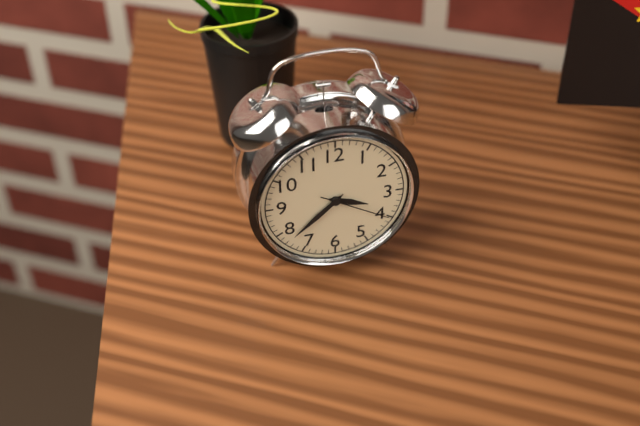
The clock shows **3:38:20**
